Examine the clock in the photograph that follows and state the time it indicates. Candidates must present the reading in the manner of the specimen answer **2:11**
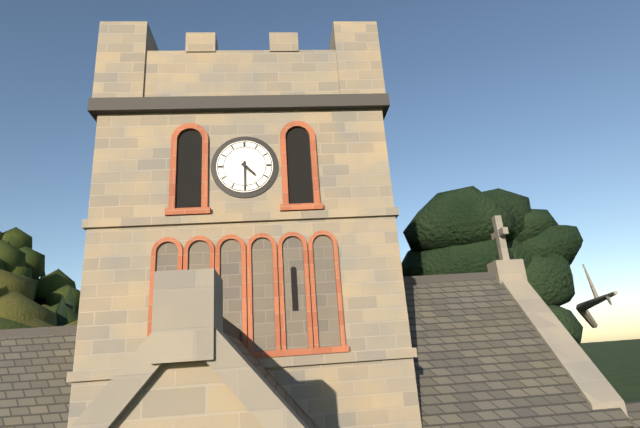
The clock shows **4:30**
